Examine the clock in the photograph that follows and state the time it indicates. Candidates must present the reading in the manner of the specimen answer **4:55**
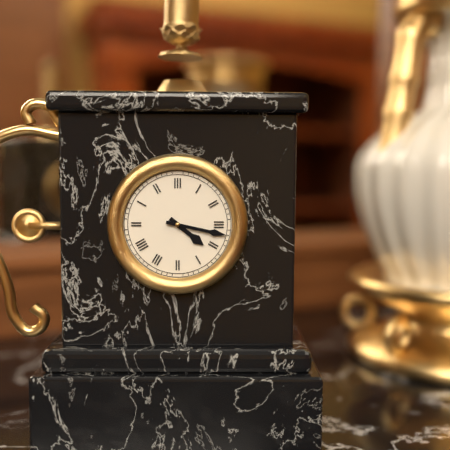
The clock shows **4:17**
